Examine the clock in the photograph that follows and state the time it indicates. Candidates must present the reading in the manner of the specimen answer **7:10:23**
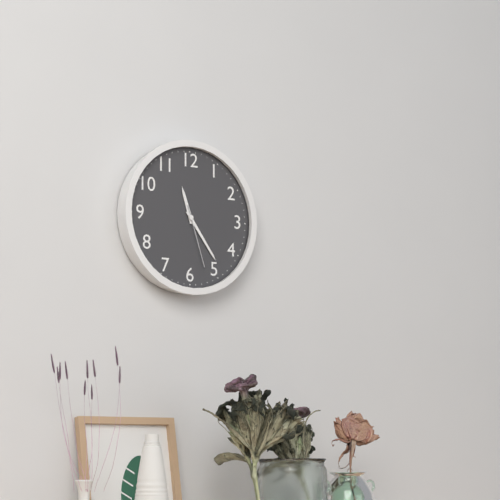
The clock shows **11:24:27**
